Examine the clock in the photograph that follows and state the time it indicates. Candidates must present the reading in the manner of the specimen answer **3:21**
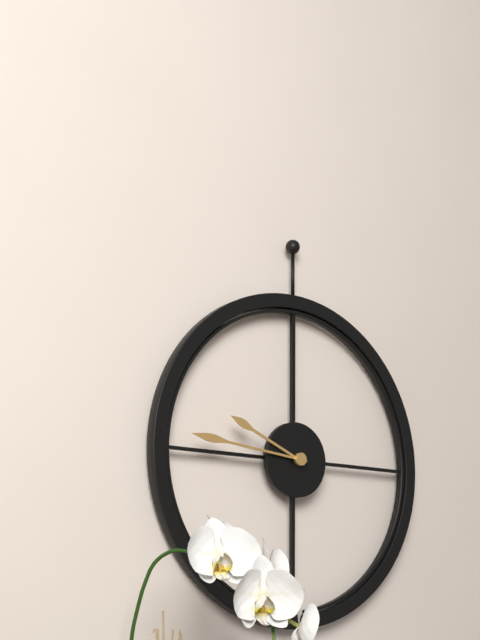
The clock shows **9:46**
